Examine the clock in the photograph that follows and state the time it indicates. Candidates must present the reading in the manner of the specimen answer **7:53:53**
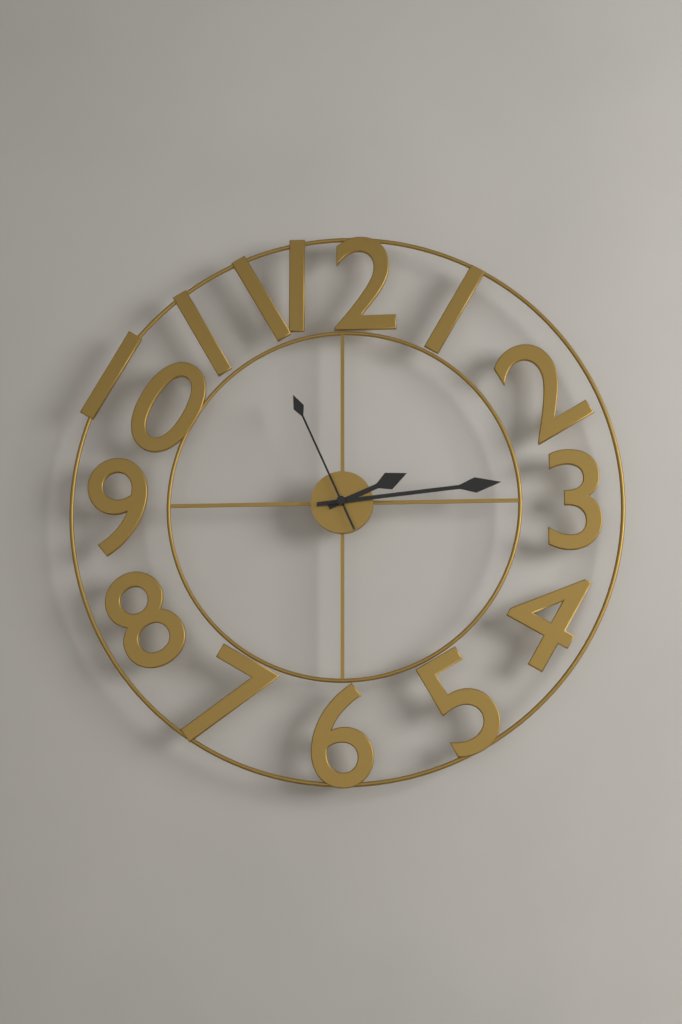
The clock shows **2:14:56**
